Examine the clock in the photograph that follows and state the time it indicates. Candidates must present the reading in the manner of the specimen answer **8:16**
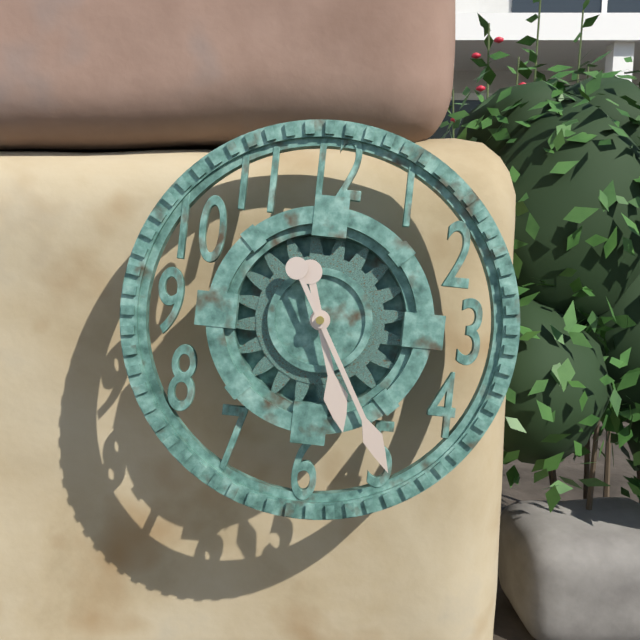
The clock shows **5:25**
